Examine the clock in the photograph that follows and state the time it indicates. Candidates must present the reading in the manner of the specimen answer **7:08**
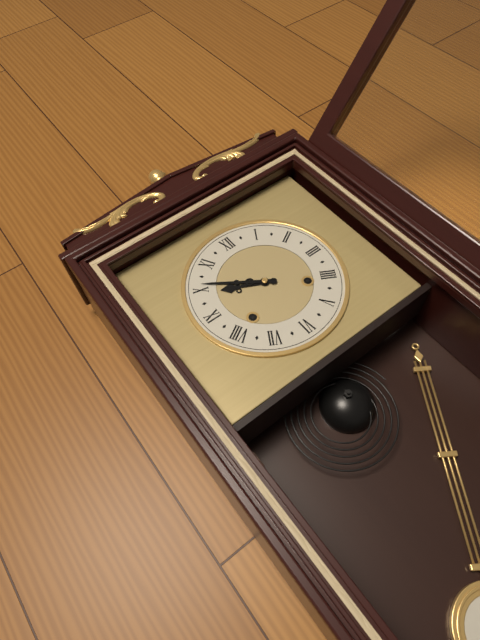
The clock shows **9:51**
